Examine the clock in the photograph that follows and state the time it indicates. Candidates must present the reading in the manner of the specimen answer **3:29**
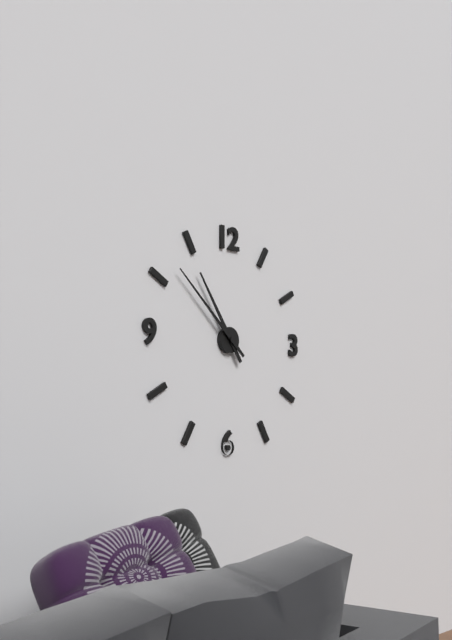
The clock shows **10:52**
